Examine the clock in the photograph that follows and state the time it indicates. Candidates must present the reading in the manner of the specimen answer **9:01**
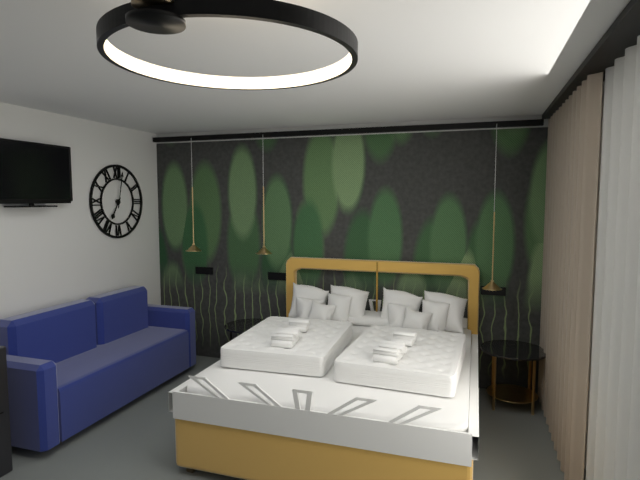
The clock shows **7:02**
